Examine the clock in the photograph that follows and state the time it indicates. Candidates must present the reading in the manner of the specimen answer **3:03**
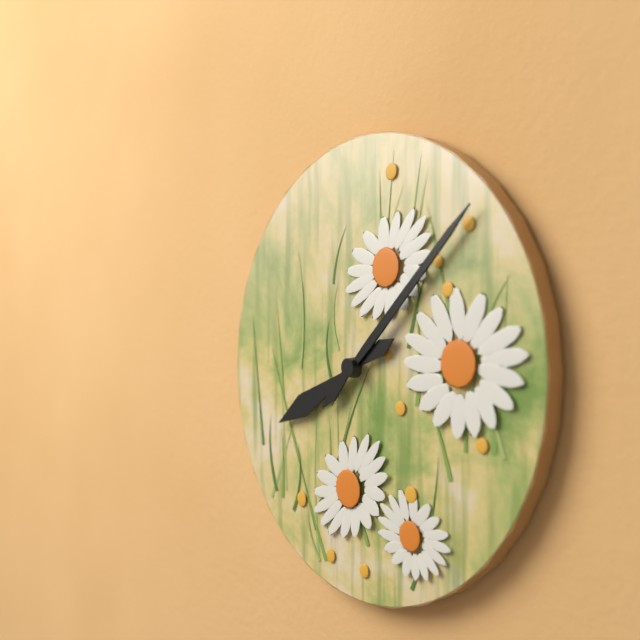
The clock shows **8:08**
